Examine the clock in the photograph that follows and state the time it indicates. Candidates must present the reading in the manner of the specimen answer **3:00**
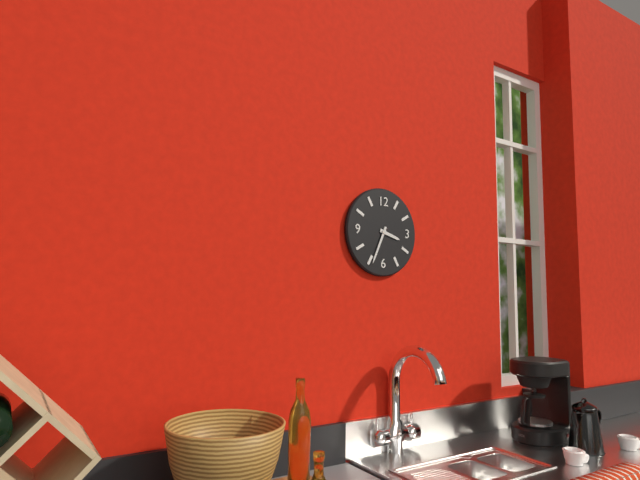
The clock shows **3:34**
